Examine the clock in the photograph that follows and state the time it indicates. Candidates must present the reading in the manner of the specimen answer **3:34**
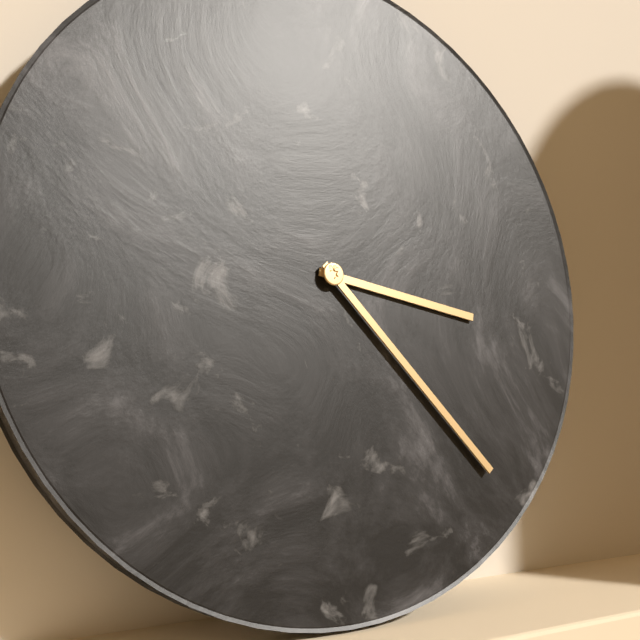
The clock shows **3:23**
